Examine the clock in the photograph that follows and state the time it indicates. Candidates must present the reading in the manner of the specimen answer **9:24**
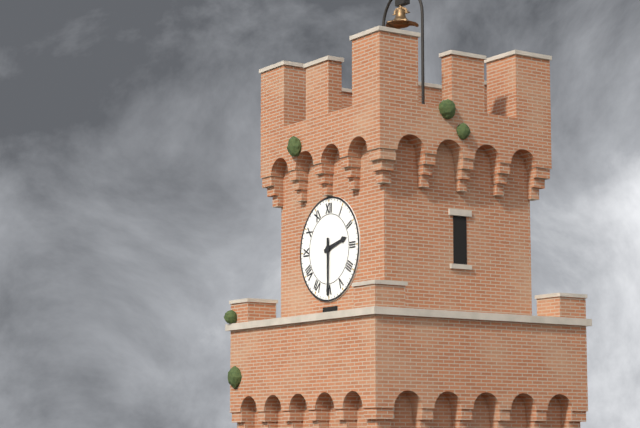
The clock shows **2:30**
